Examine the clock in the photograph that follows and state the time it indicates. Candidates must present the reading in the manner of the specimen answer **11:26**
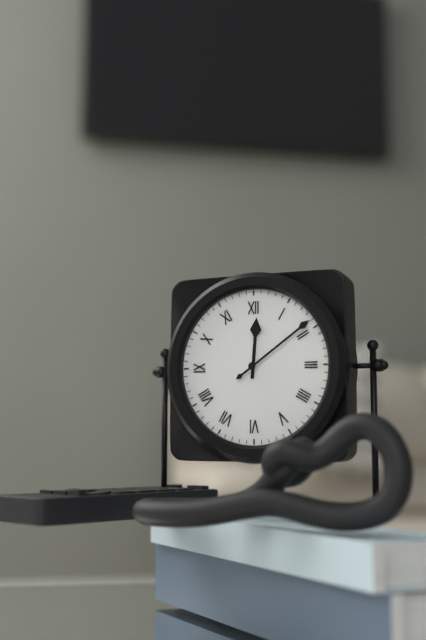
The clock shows **12:09**
